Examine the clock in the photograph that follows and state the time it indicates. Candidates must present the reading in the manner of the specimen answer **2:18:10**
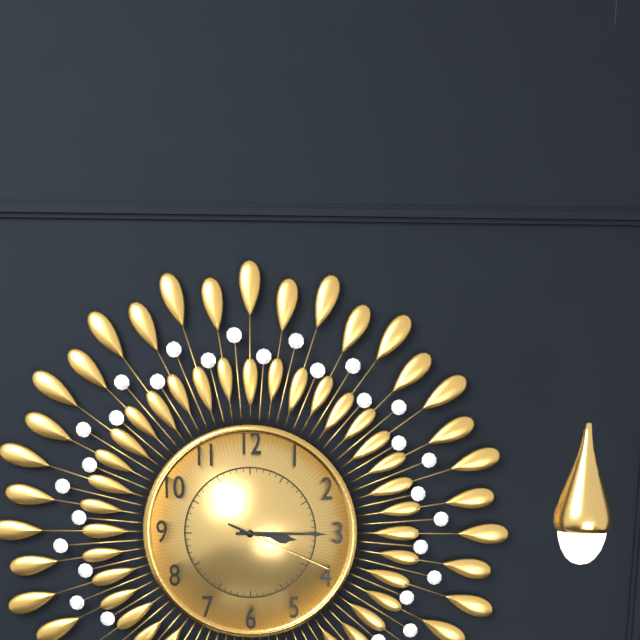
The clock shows **3:15:19**
